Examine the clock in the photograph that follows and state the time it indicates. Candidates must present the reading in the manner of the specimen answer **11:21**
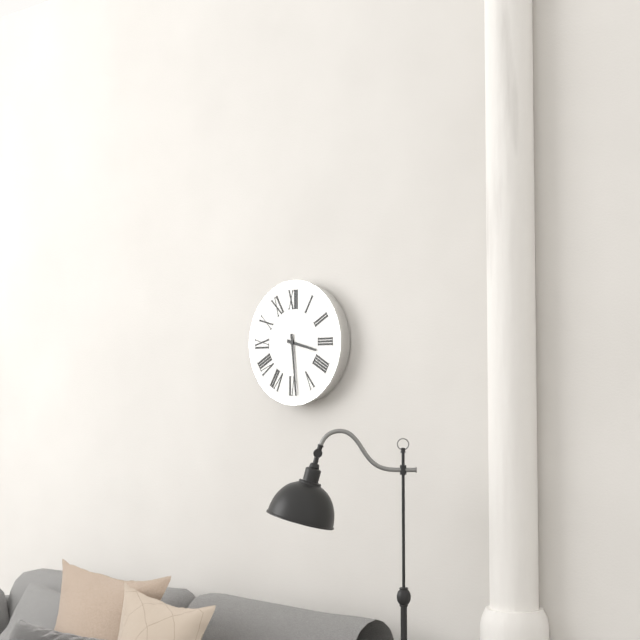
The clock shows **3:29**
